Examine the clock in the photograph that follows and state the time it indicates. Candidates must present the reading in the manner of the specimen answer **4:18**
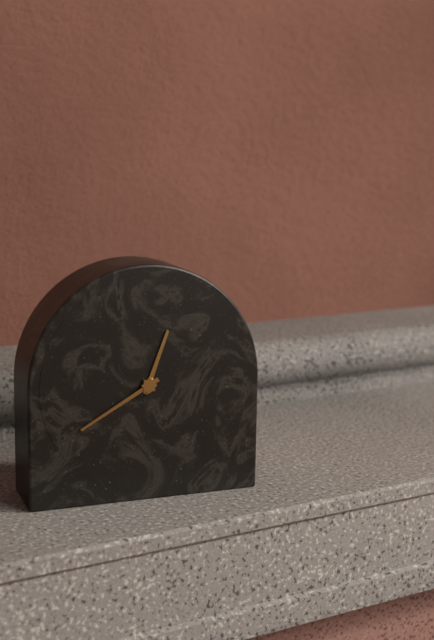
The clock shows **12:40**
